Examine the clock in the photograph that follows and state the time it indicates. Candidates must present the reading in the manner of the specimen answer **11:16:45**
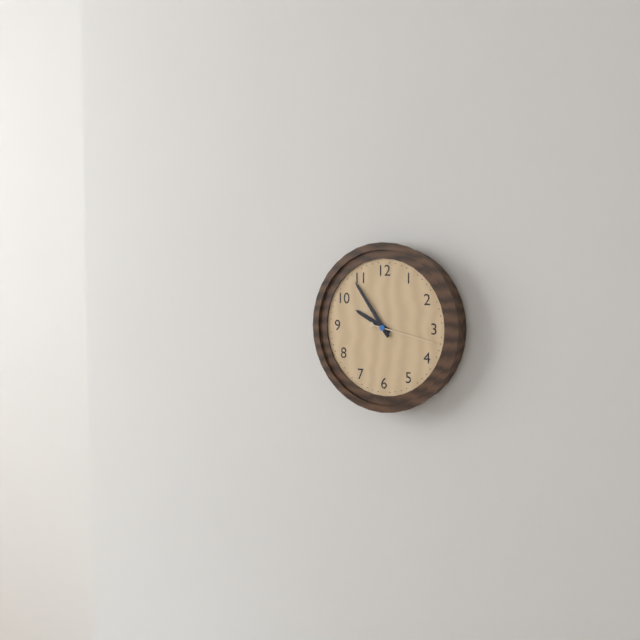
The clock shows **9:54:17**
